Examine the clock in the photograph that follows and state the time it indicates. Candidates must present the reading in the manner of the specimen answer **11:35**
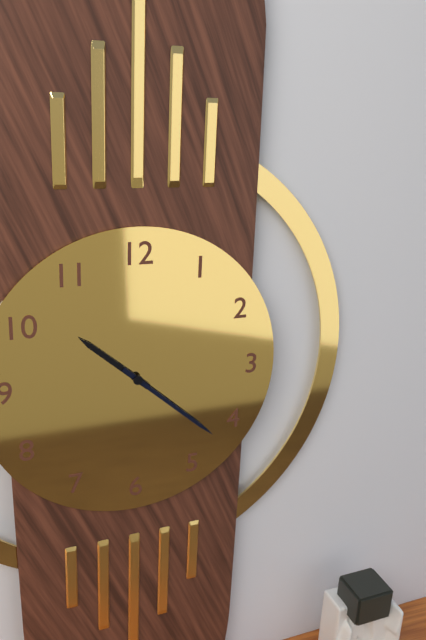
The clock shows **10:22**
